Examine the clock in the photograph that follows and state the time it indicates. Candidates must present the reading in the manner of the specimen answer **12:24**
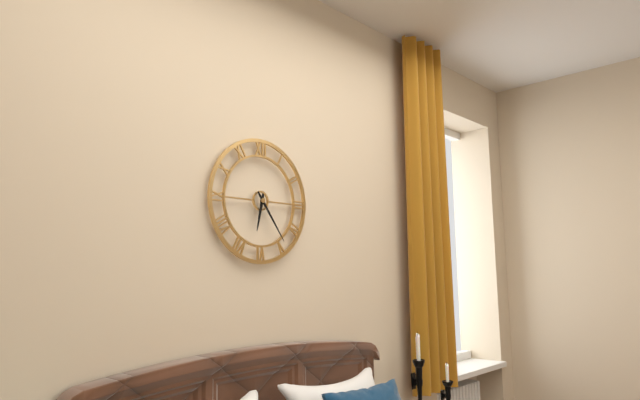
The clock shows **6:24**
